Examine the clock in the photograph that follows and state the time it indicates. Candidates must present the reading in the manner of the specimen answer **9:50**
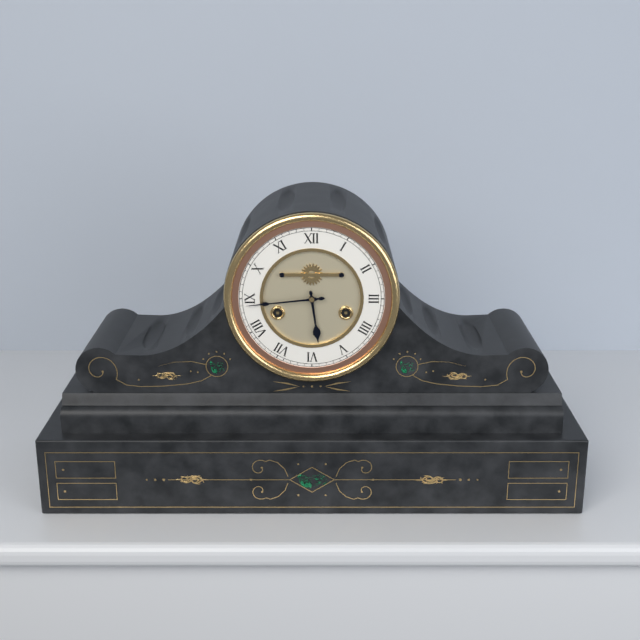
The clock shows **5:44**
